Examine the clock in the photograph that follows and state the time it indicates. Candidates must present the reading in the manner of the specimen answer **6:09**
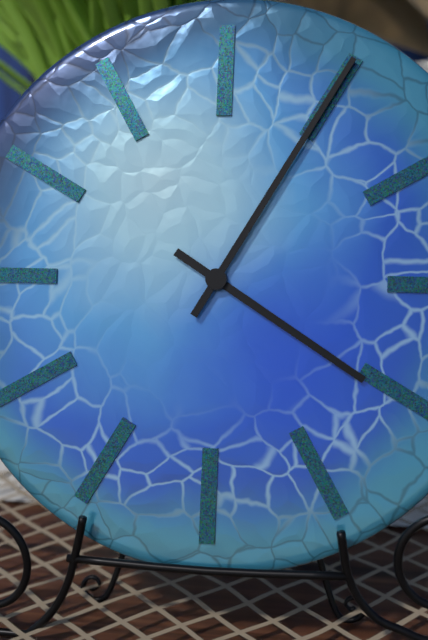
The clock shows **4:05**
